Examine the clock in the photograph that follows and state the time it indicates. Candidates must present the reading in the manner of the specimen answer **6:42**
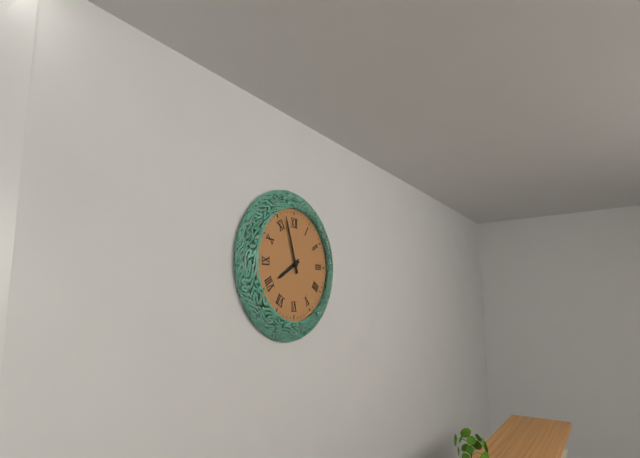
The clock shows **7:57**
